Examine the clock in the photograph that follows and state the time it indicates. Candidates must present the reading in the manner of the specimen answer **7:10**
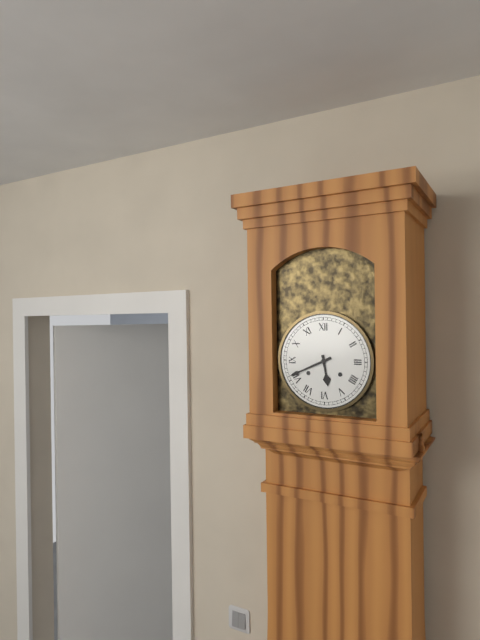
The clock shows **5:41**
